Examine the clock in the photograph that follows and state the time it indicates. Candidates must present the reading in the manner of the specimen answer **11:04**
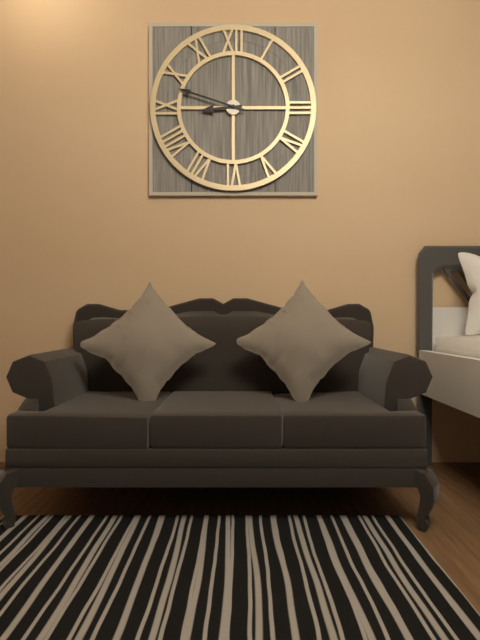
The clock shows **8:48**
